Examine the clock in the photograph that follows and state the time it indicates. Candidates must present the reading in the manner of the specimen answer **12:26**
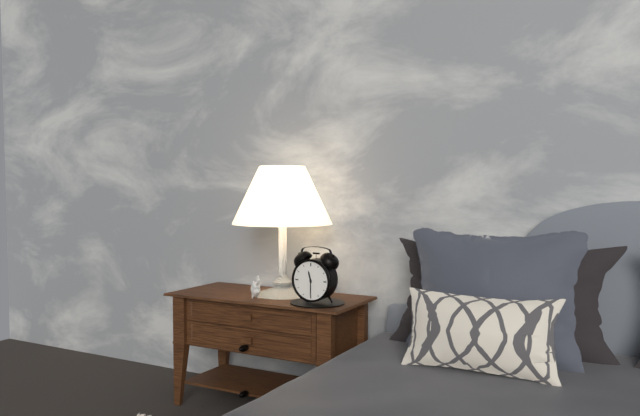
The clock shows **11:30**
